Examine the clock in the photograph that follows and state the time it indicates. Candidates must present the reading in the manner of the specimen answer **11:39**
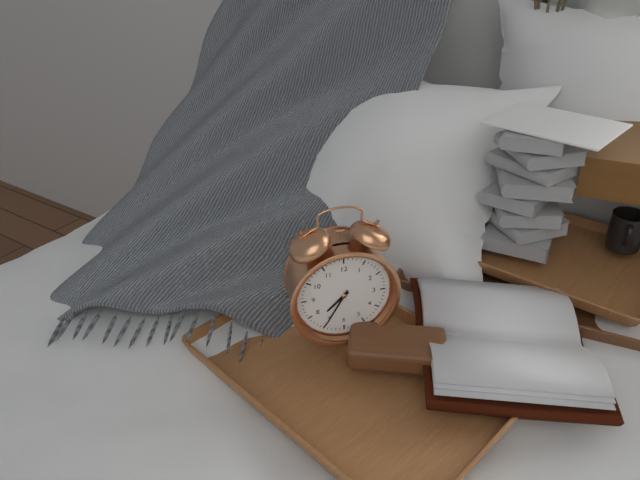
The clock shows **7:35**
